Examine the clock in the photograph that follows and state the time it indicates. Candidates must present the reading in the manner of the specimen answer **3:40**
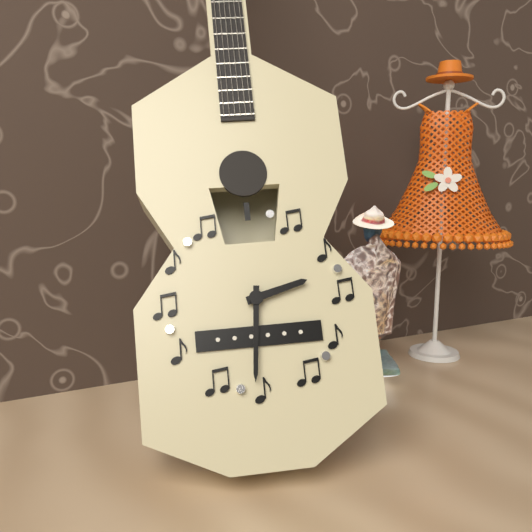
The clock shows **2:31**
